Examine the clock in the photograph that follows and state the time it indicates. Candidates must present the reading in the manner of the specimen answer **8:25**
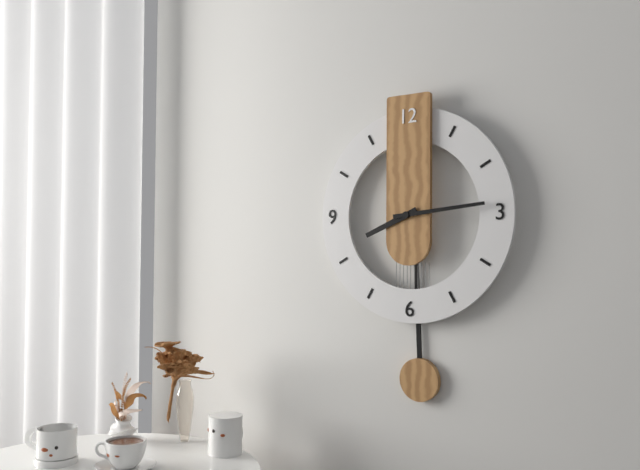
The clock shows **8:14**
